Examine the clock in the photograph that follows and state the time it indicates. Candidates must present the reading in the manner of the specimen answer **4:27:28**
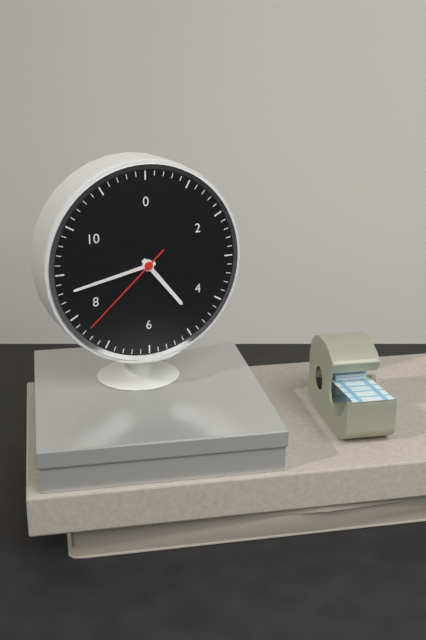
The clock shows **4:43:38**
